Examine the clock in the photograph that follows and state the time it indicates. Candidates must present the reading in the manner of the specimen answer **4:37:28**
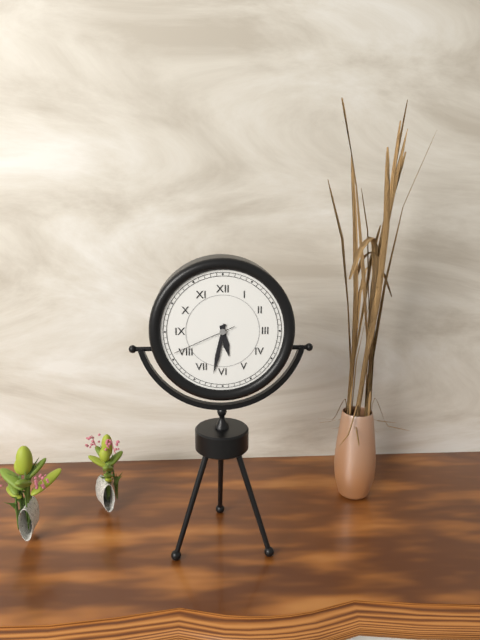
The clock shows **5:32:41**
